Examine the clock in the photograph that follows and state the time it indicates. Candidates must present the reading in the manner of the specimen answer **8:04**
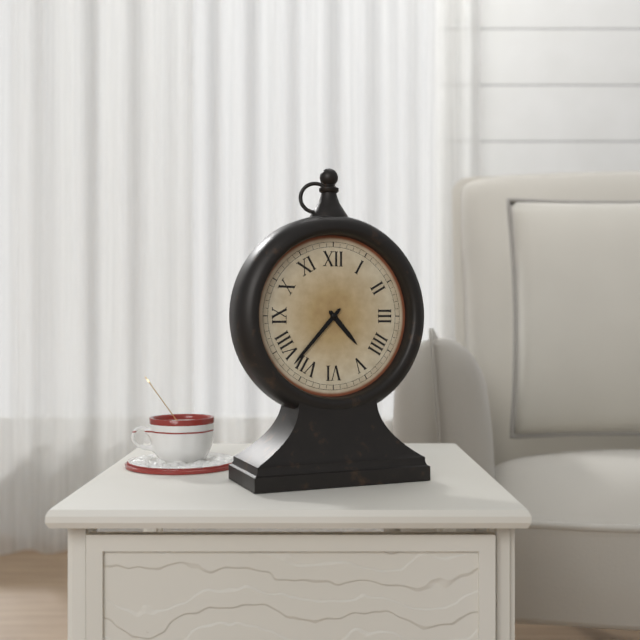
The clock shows **4:37**
